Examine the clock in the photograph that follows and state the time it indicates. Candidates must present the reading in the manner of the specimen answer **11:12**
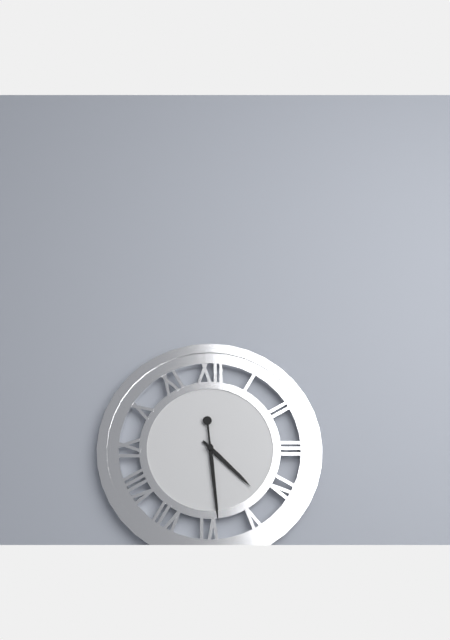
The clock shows **4:29**
